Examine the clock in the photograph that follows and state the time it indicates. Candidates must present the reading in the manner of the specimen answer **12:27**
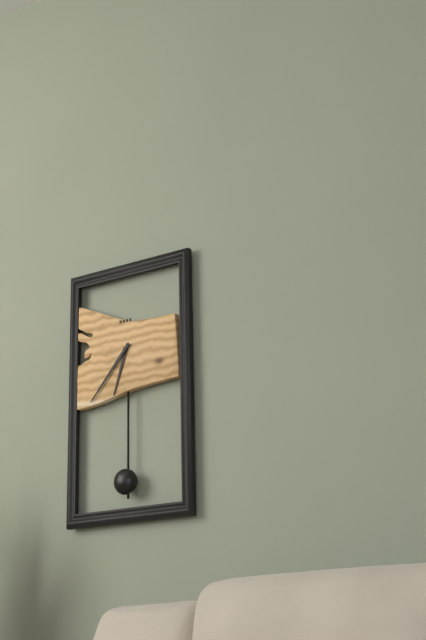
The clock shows **6:37**
